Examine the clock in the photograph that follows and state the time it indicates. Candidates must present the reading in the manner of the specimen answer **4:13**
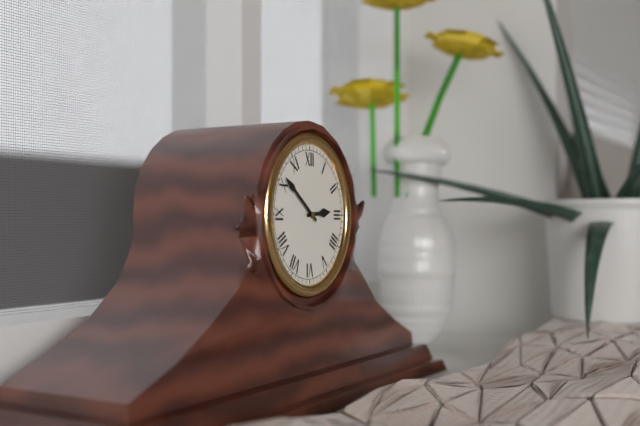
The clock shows **2:51**
